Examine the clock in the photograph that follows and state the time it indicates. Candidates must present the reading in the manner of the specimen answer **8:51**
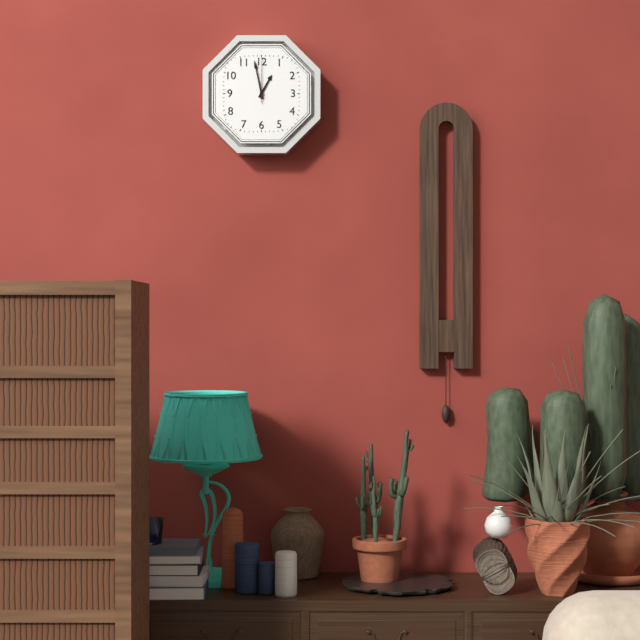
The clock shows **12:58**
